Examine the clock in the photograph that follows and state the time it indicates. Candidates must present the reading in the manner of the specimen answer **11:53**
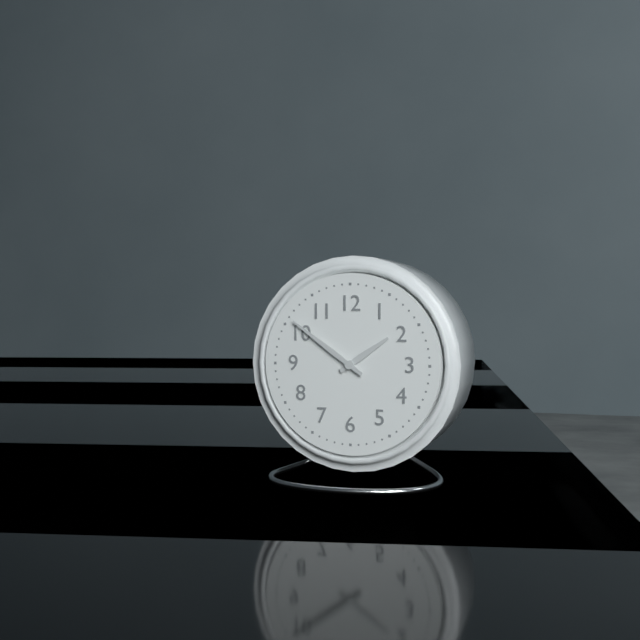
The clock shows **1:51**
